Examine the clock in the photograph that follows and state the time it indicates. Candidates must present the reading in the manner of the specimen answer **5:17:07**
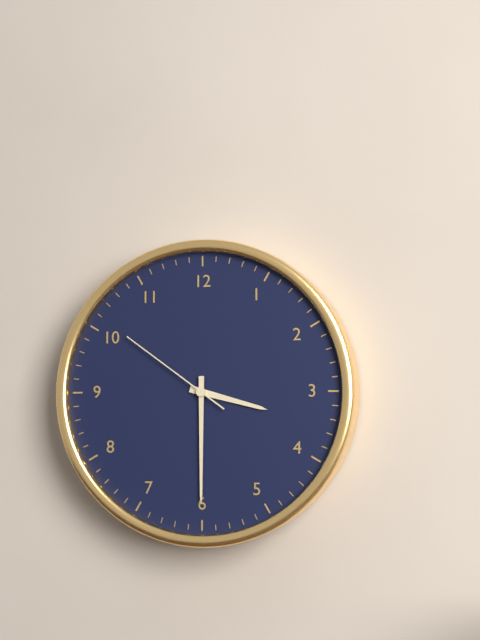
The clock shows **3:30:51**
